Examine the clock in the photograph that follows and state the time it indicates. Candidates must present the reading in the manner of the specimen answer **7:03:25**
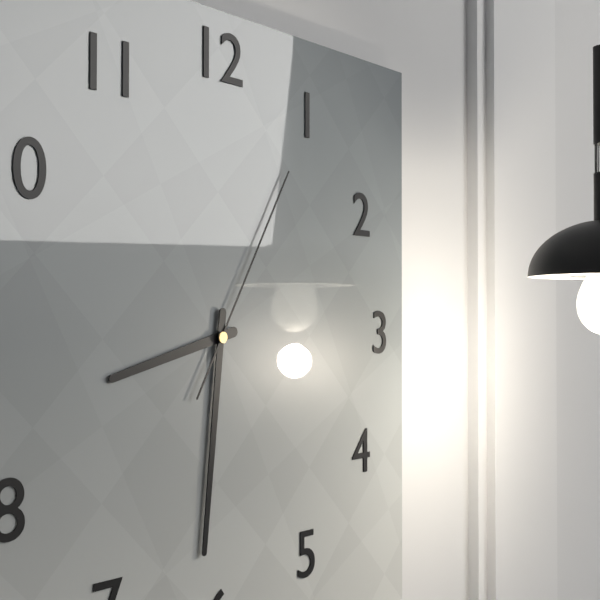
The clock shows **8:31:05**
